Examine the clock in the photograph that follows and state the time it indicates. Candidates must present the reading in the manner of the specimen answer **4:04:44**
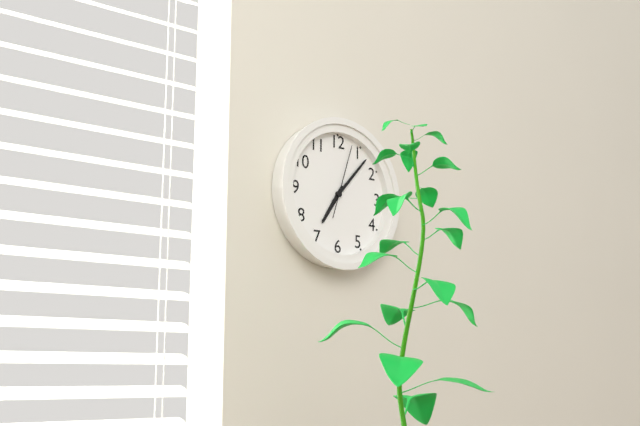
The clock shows **7:07:03**
